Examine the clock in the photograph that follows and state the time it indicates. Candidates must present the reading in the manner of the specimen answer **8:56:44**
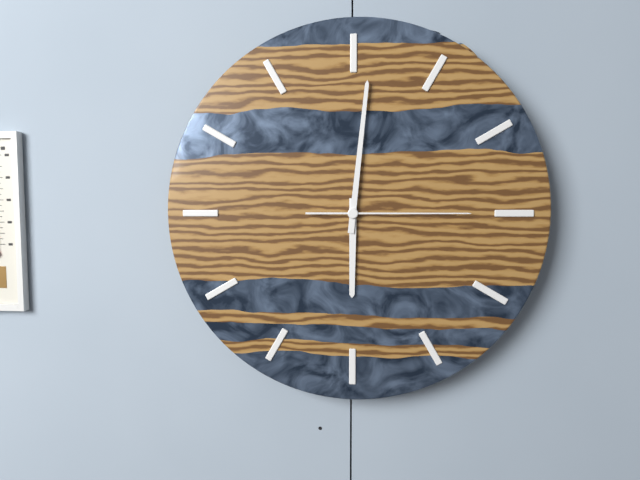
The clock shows **6:01:15**
